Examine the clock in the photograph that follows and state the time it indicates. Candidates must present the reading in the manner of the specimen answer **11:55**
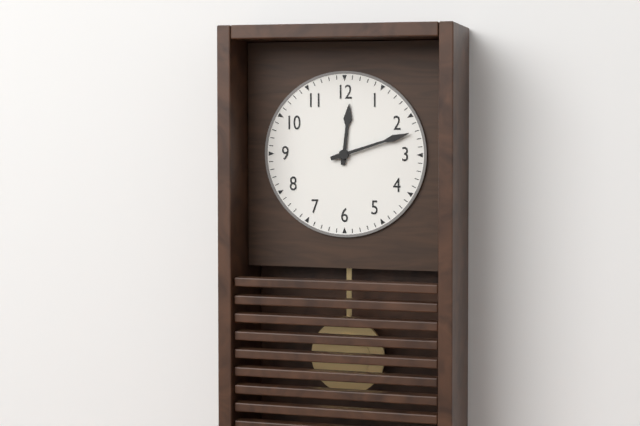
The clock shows **12:12**
